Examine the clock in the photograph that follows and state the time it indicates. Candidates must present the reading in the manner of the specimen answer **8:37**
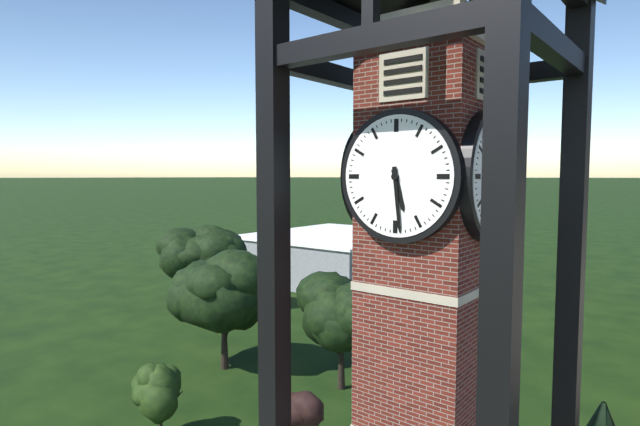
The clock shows **5:29**
